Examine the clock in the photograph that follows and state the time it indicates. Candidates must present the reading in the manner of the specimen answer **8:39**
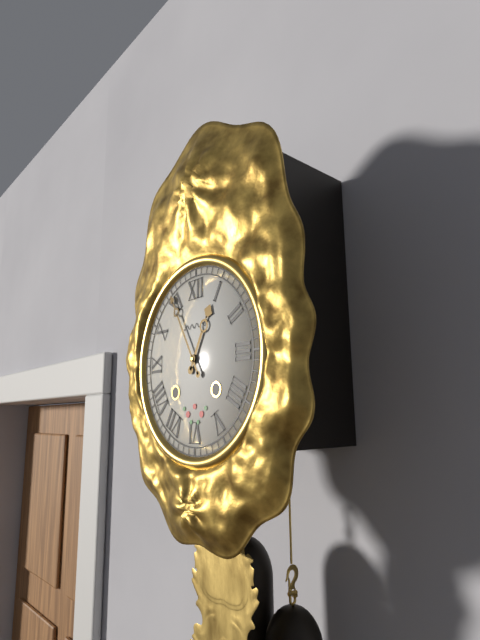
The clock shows **12:55**
